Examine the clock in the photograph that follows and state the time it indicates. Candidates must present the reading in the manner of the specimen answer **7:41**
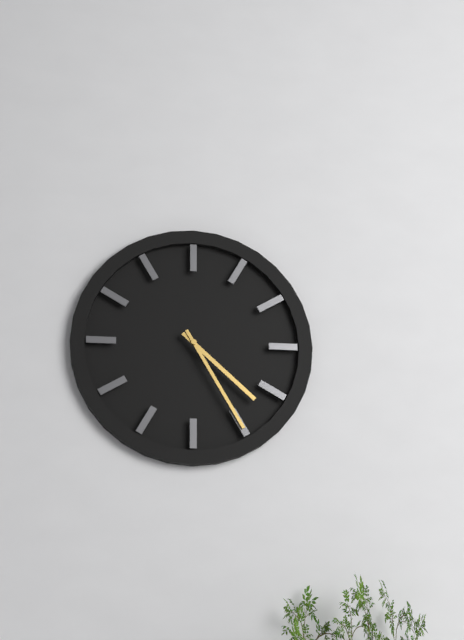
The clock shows **4:25**
